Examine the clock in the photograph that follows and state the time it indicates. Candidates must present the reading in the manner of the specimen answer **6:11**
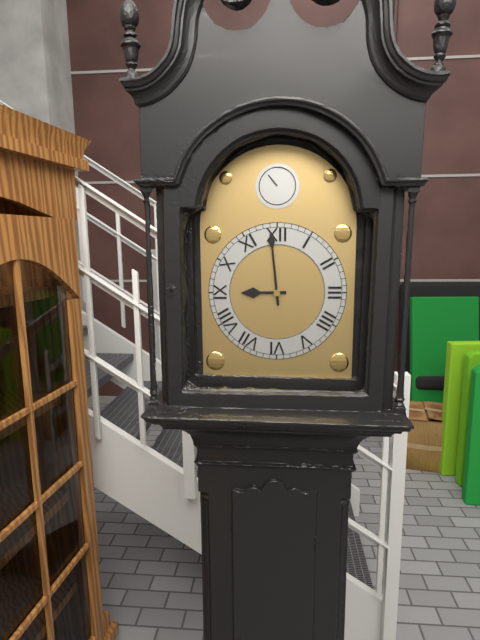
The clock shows **8:59**
